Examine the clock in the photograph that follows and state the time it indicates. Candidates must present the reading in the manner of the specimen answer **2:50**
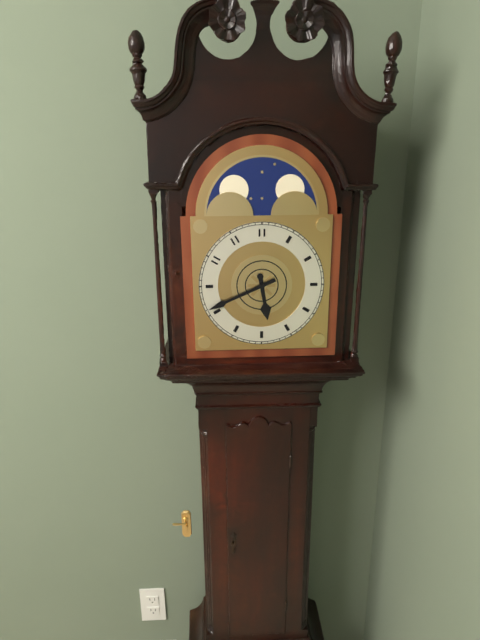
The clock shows **5:41**
